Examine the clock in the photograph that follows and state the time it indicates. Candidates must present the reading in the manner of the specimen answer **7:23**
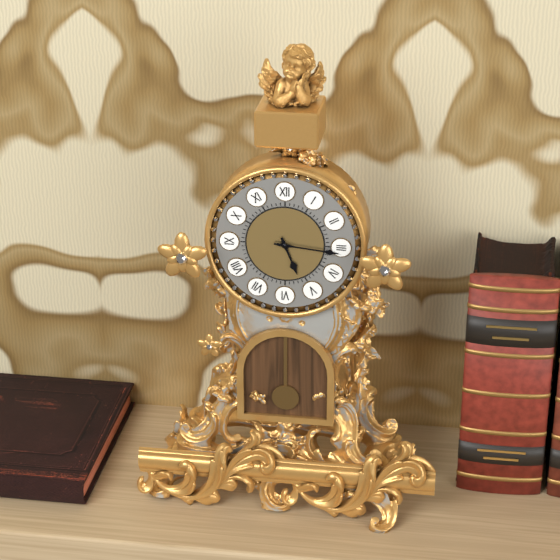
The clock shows **5:16**
